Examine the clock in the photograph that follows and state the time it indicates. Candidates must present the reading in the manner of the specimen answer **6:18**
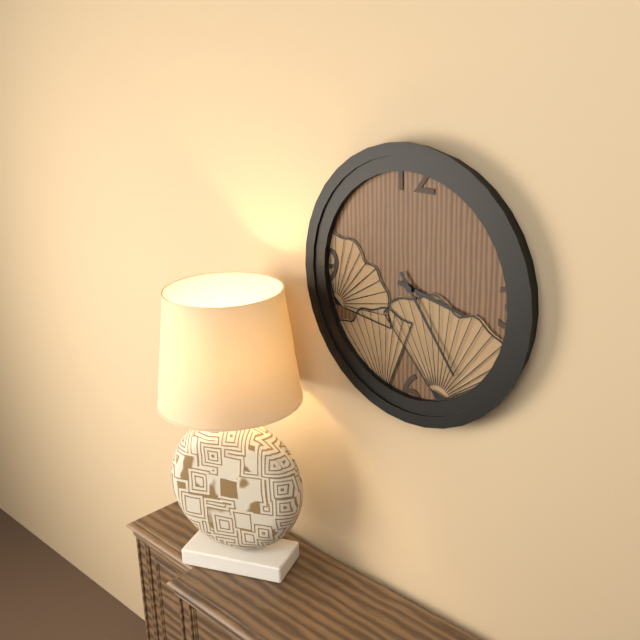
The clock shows **3:24**
